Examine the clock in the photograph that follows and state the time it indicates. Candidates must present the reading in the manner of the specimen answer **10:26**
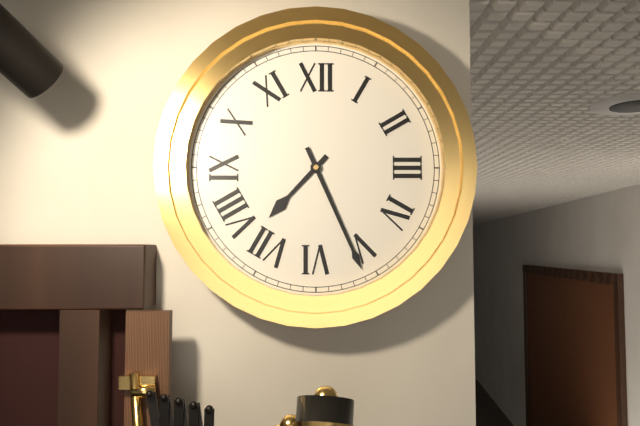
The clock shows **7:26**
